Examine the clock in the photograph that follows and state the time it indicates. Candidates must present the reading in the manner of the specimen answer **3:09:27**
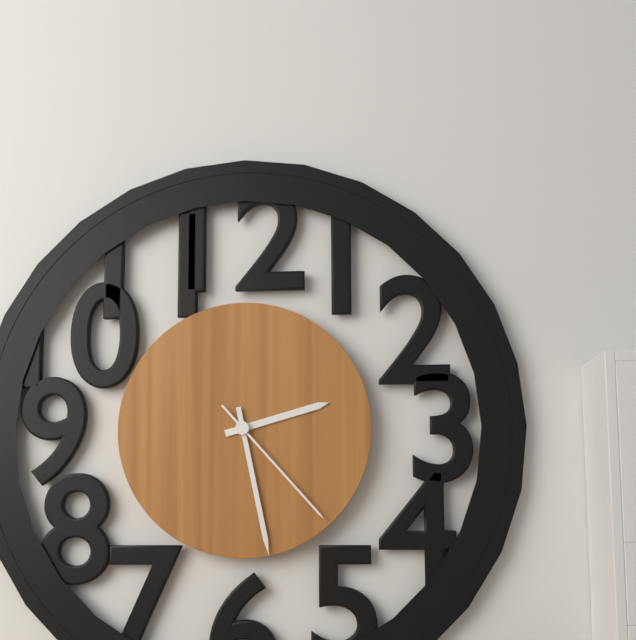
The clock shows **2:28:23**
